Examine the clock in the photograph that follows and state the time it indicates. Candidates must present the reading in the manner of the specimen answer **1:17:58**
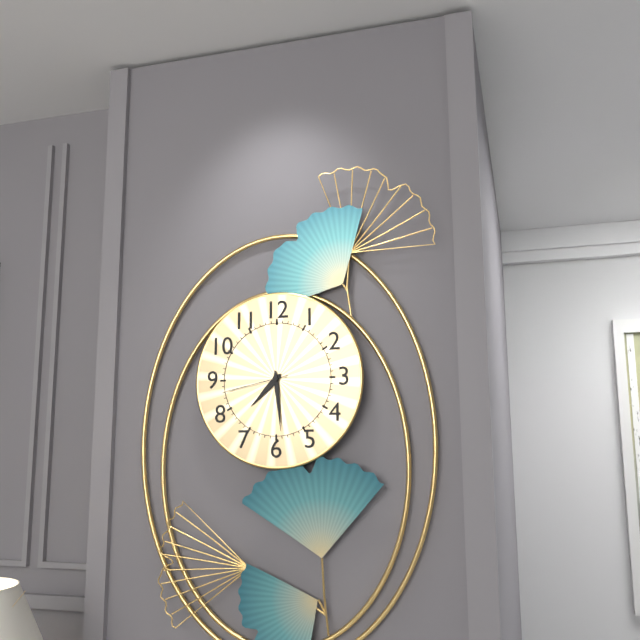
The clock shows **7:29:43**
